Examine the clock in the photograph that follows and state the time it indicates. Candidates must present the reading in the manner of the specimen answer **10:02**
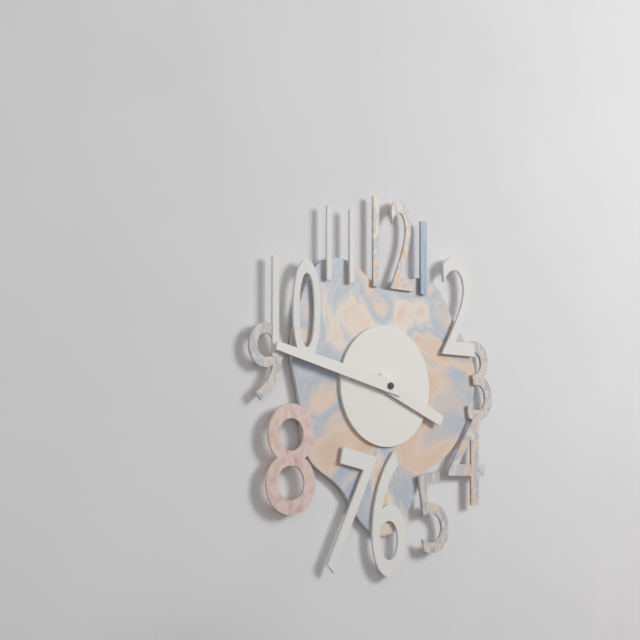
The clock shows **3:47**
